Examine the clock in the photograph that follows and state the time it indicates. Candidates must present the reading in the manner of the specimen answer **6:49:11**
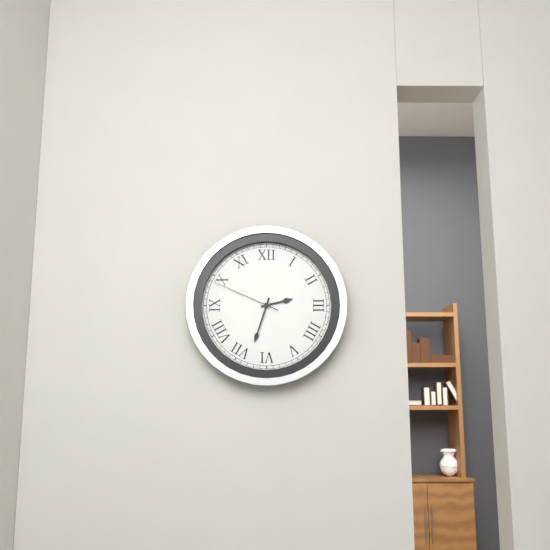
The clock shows **2:33:49**
